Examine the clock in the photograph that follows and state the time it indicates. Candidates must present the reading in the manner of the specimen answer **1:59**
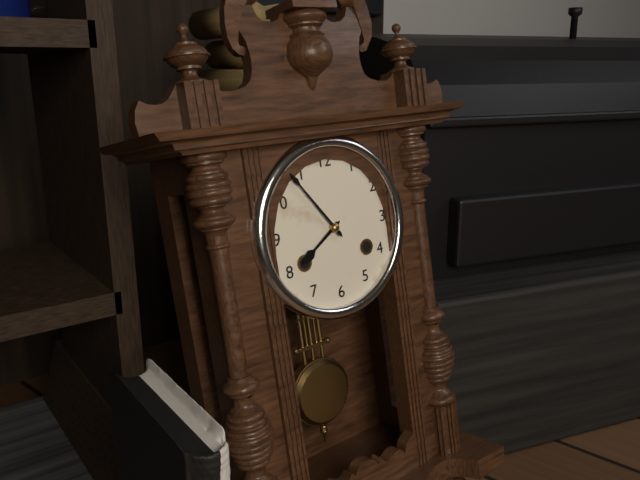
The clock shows **7:54**
